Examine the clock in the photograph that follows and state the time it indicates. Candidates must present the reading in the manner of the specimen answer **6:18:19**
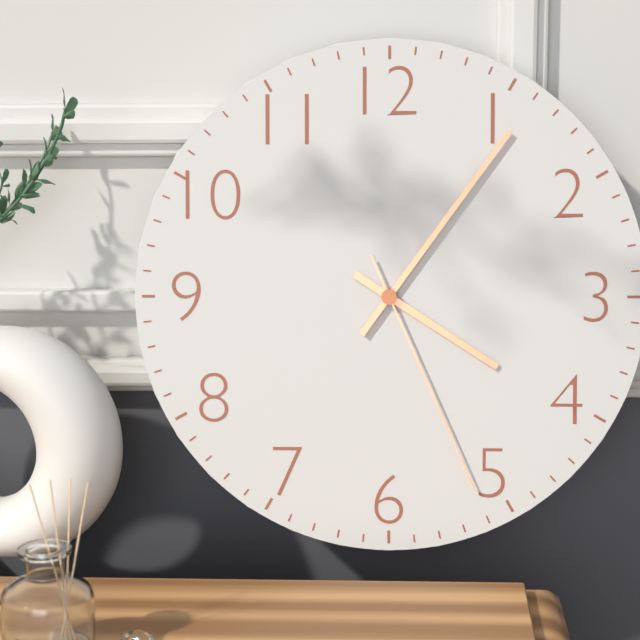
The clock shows **4:06:26**
